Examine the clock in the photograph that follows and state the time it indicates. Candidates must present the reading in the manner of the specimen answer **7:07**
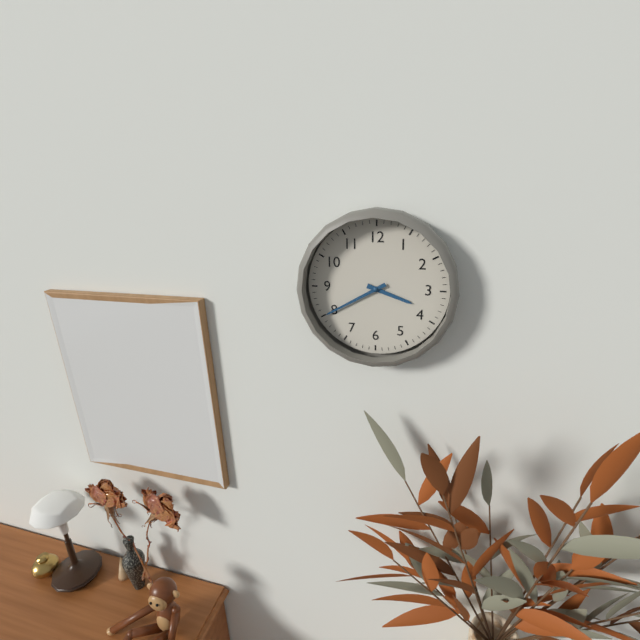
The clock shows **3:40**
